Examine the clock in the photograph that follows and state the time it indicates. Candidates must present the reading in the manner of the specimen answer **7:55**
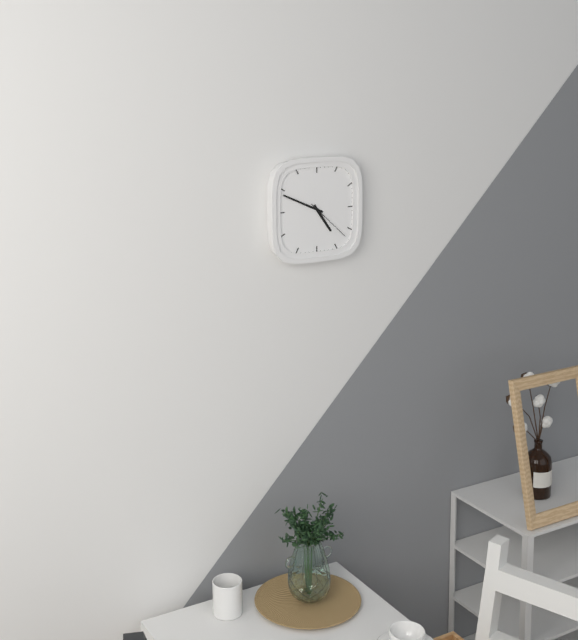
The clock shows **4:49**
